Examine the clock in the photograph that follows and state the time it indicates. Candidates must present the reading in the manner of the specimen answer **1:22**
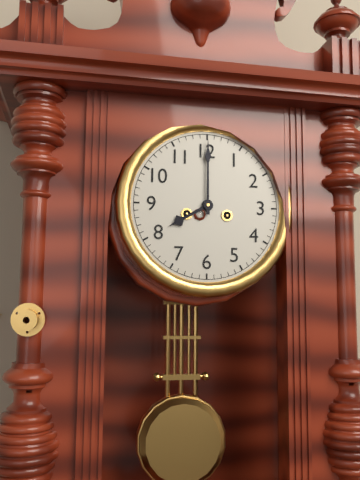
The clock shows **8:00**
